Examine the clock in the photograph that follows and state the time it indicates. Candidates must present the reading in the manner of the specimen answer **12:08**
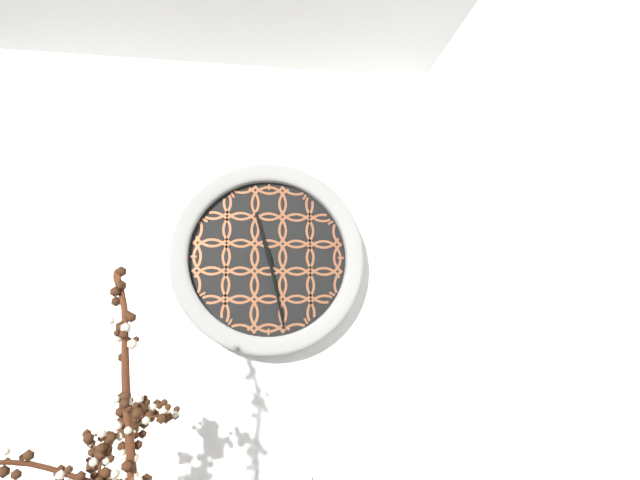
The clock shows **11:28**
